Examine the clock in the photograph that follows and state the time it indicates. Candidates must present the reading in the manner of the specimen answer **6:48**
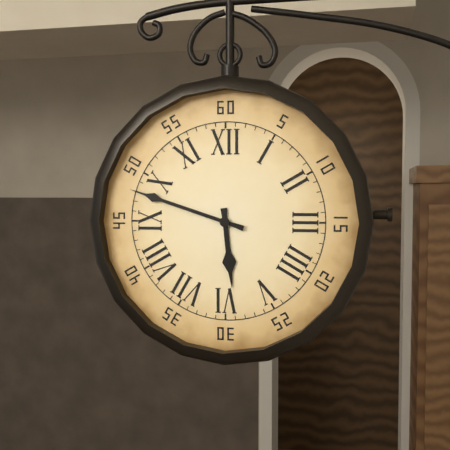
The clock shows **5:48**
